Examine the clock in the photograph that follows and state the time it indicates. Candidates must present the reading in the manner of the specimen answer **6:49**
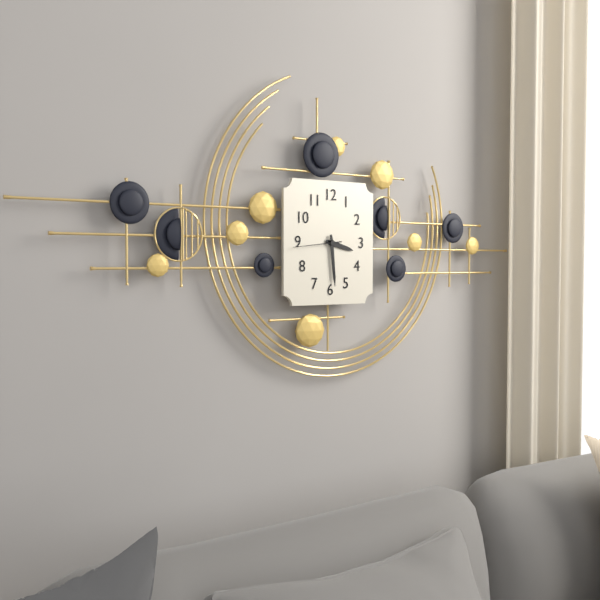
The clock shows **3:29**
